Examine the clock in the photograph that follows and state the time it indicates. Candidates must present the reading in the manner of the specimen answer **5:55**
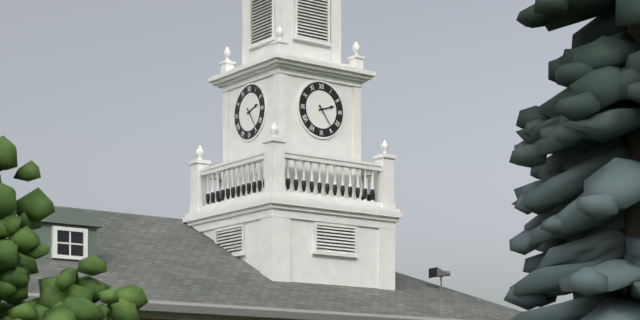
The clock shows **2:24**
